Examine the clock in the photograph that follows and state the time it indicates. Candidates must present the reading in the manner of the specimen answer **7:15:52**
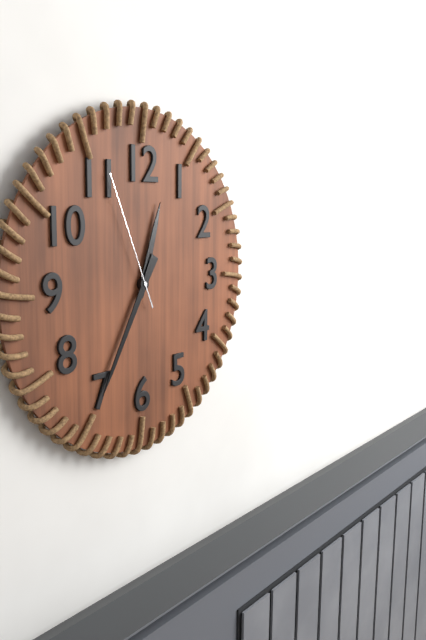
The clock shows **12:35:56**
